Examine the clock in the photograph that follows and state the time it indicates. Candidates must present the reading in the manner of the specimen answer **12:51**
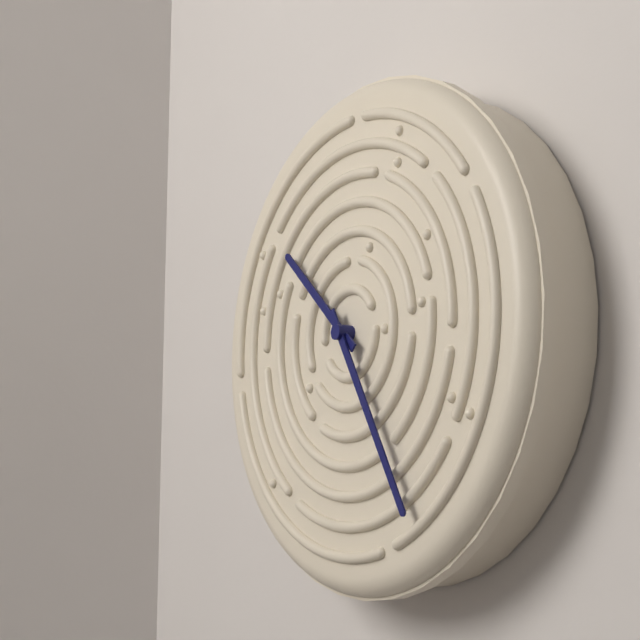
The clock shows **10:25**
